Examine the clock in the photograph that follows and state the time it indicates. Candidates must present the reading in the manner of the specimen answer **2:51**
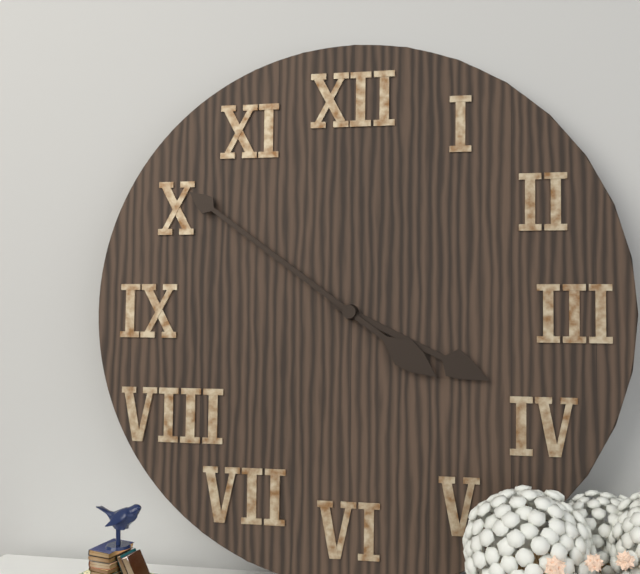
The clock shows **3:51**
